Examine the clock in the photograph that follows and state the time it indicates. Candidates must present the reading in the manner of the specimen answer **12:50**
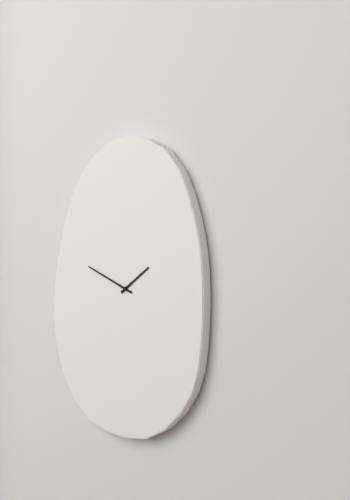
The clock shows **1:49**
